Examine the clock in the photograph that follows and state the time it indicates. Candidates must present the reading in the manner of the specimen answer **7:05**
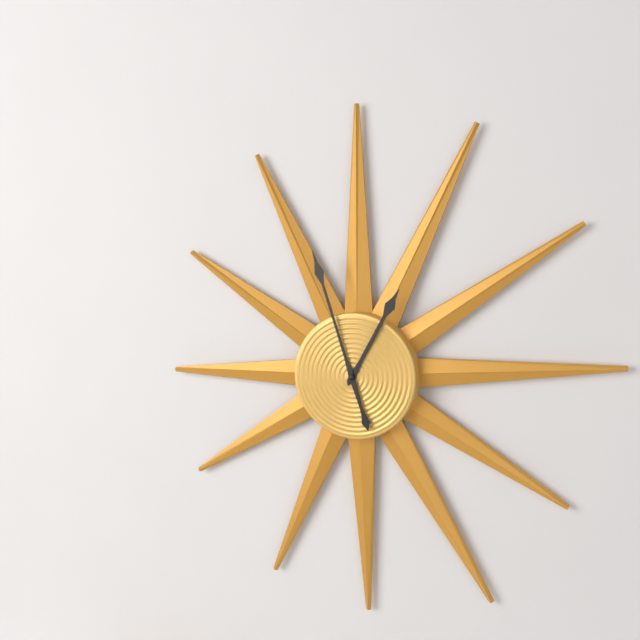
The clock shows **12:57**
